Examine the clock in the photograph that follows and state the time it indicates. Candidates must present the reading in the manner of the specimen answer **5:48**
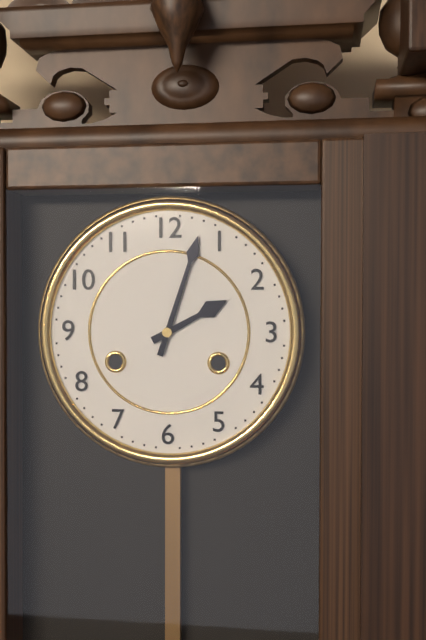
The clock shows **2:03**
